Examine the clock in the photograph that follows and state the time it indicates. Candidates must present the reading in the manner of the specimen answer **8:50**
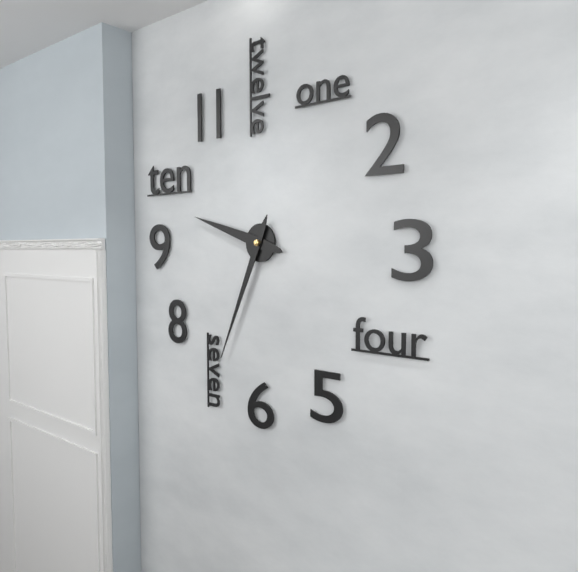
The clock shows **9:34**
